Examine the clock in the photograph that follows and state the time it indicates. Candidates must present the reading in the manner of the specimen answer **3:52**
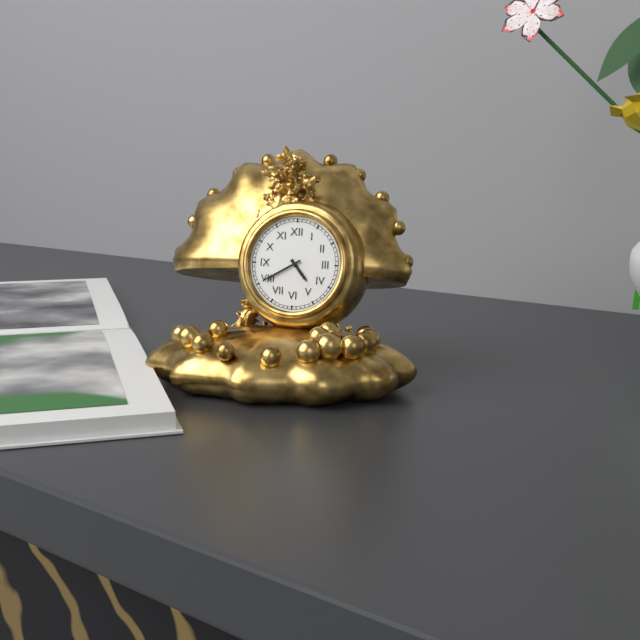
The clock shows **4:40**
